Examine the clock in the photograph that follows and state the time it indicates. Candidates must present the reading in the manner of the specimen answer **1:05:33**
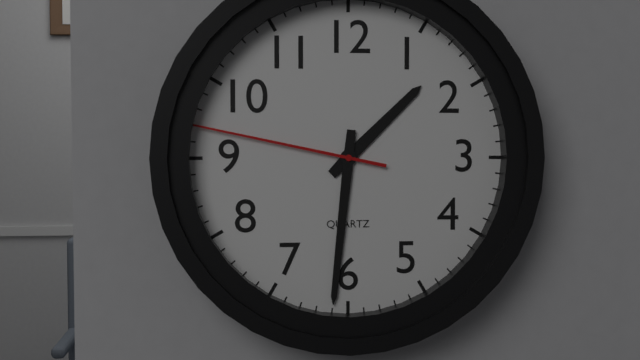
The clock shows **1:31:47**
